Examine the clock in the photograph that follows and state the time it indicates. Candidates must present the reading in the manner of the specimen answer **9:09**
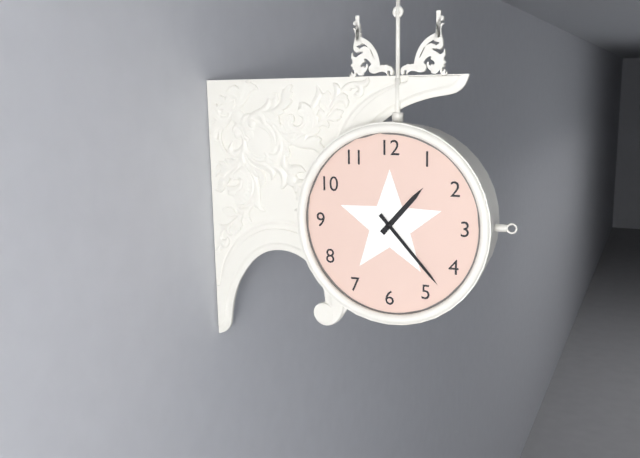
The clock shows **1:23**
